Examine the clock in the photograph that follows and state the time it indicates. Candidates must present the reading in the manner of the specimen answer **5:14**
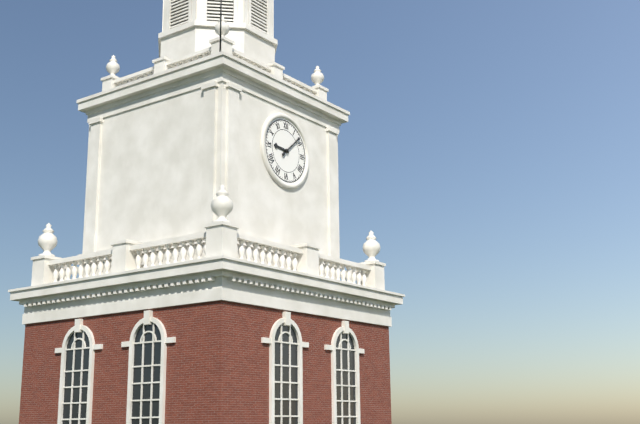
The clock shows **9:08**
